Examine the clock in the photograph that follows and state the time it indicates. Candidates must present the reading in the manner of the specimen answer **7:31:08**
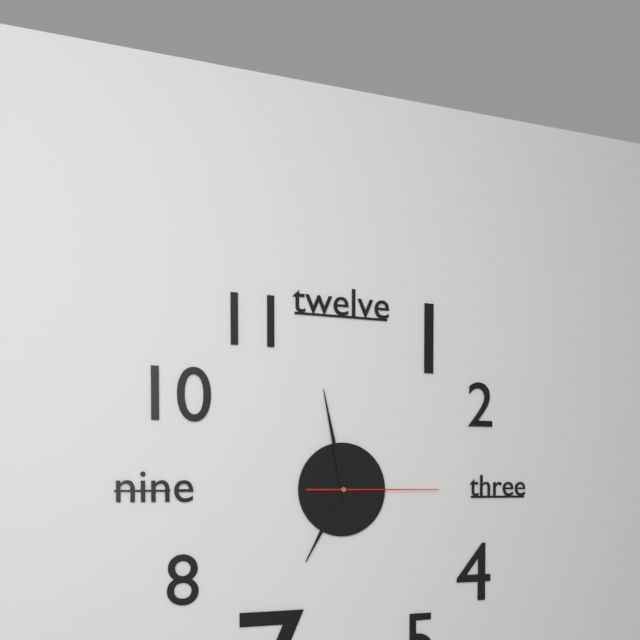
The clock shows **6:58:15**
